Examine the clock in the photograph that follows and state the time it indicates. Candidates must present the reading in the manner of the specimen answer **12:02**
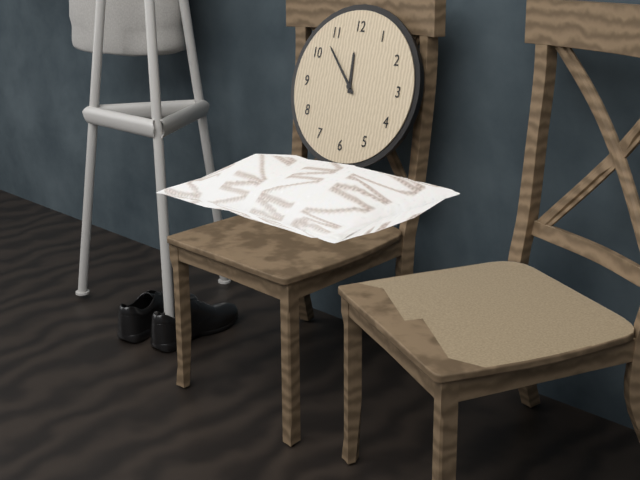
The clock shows **11:53**
